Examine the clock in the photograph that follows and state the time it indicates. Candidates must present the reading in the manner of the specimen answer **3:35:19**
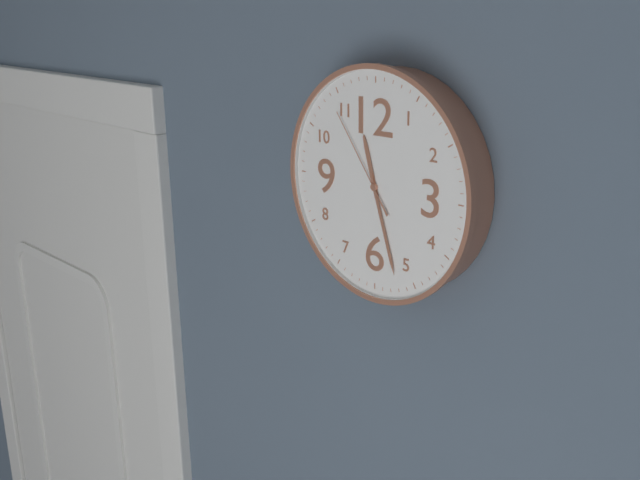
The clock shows **11:27:54**
